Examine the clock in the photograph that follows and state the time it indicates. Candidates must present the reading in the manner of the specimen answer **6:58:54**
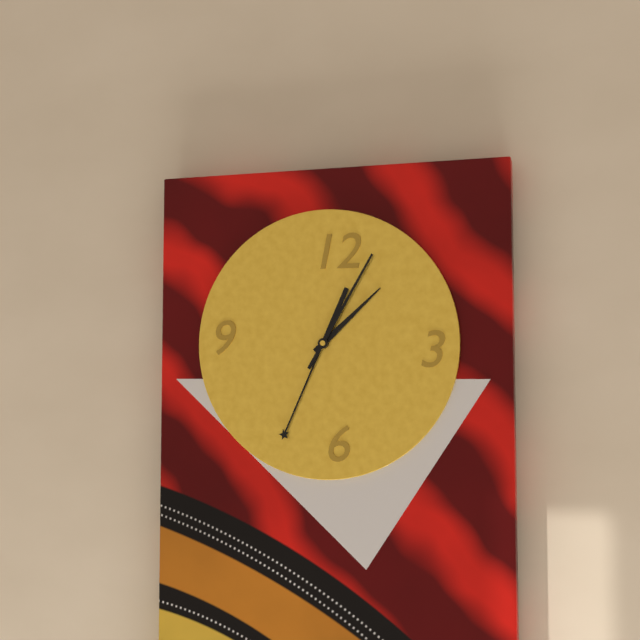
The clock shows **1:34:05**
